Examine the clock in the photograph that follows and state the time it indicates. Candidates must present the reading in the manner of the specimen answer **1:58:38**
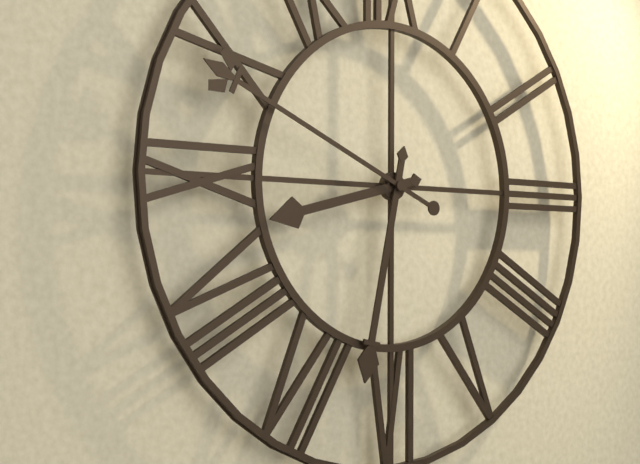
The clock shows **8:32:49**
